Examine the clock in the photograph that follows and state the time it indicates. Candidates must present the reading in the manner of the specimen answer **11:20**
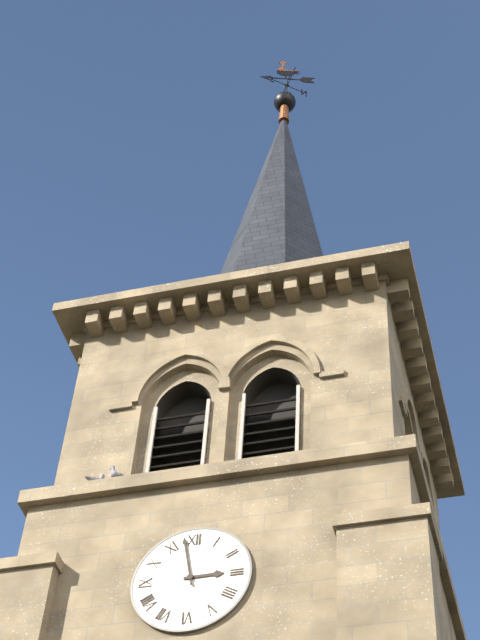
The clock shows **2:58**
